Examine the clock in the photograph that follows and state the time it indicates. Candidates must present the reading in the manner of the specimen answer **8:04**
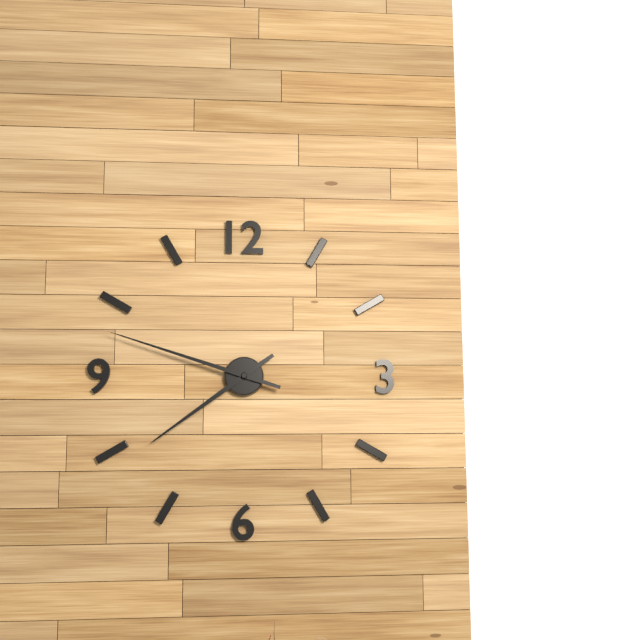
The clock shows **7:48**
